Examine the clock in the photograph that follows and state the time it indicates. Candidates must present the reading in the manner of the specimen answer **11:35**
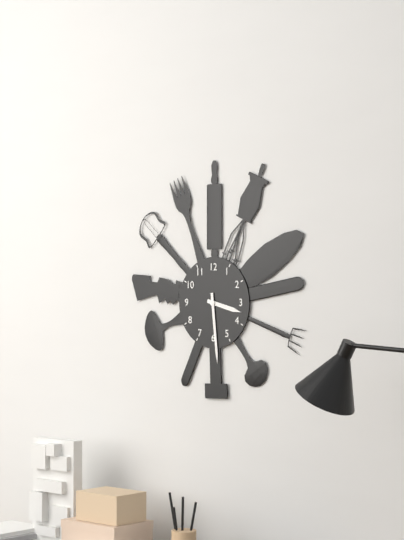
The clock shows **3:29**
